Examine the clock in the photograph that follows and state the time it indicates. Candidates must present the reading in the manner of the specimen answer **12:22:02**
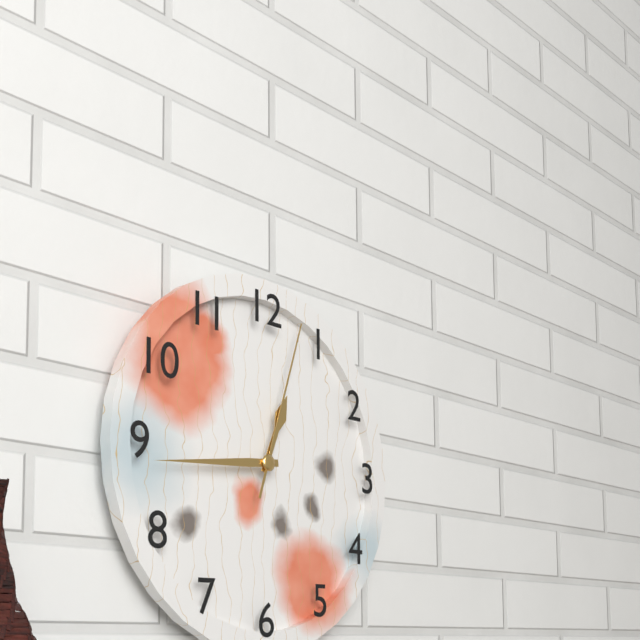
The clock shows **12:44:03**
